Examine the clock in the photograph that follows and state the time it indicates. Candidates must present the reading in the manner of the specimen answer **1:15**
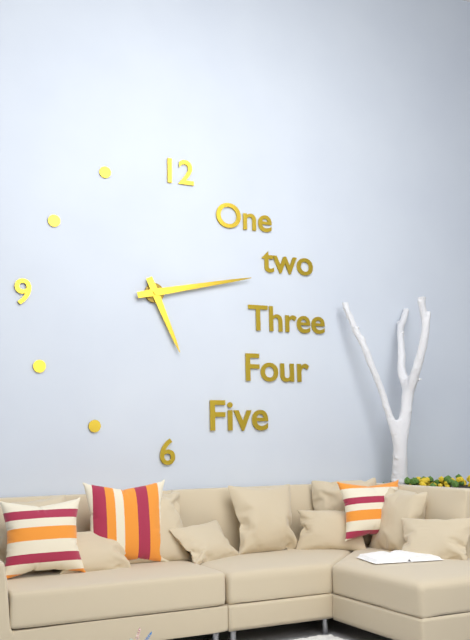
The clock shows **5:13**
